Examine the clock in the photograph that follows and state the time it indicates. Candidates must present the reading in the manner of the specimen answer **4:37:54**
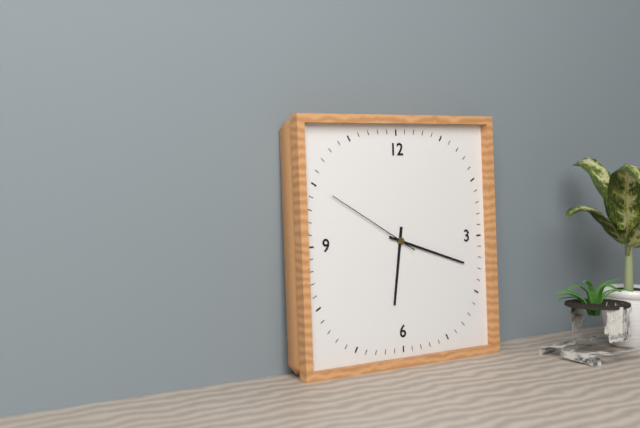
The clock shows **6:18:50**
